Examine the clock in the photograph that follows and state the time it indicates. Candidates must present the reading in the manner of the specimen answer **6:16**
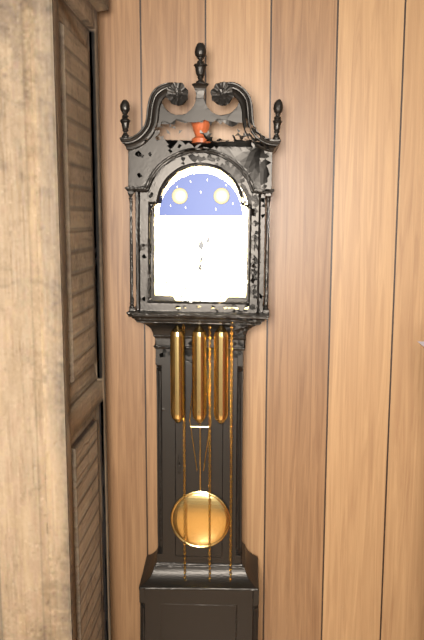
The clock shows **12:03**
